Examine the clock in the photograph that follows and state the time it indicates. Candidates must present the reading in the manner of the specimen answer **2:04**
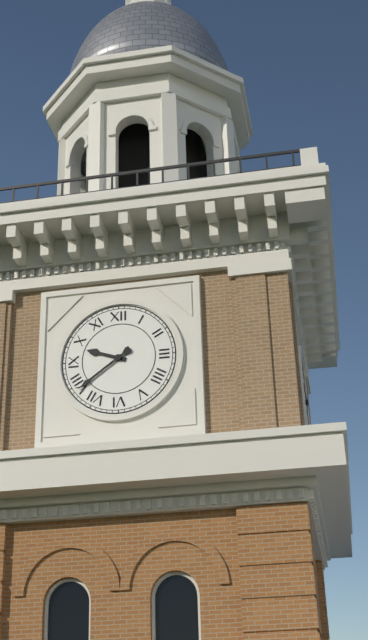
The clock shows **9:39**
